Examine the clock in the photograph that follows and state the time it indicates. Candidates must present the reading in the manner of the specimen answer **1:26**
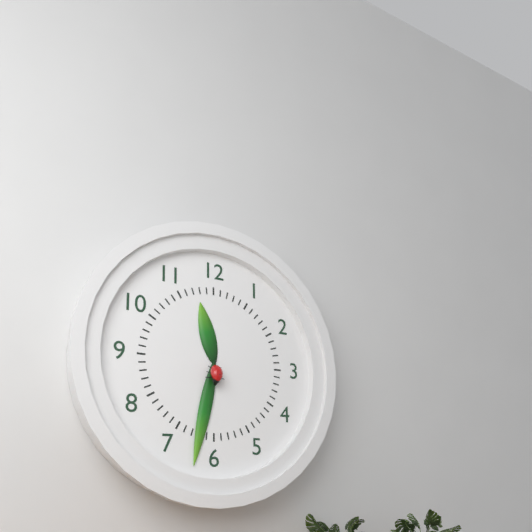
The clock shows **11:32**
